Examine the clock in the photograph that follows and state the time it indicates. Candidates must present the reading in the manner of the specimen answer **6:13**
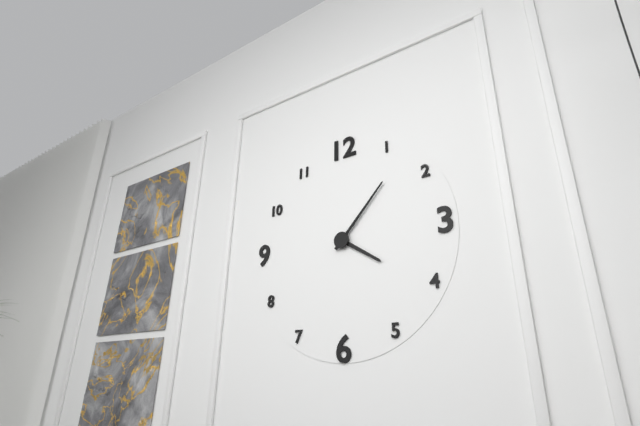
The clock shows **4:07**
